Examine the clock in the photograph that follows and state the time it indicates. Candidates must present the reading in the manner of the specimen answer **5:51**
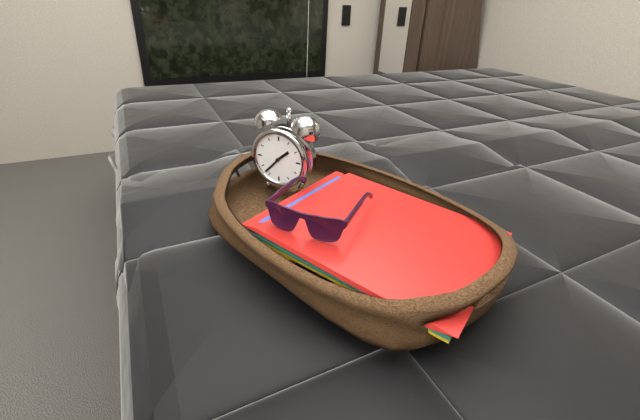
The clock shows **1:37**
